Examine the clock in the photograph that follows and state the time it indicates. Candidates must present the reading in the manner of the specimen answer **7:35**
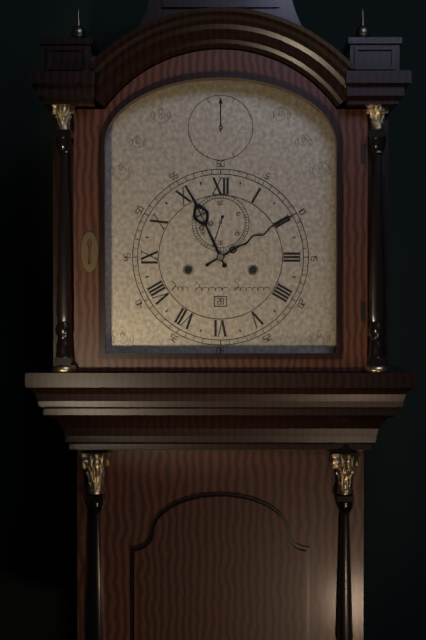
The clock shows **11:10**
